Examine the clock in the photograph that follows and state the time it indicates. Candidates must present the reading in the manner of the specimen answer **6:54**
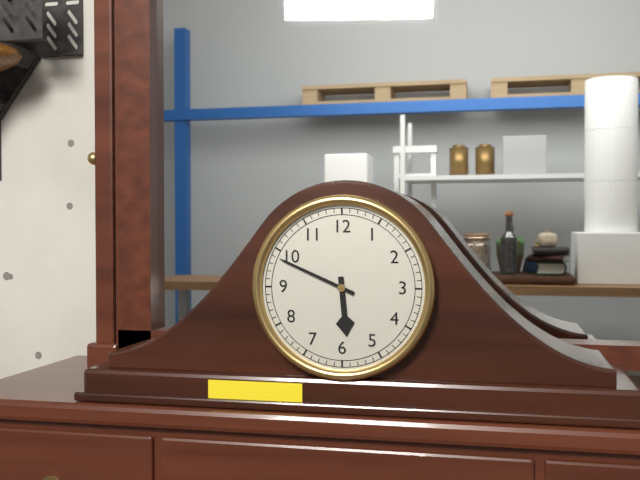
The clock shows **5:49**
